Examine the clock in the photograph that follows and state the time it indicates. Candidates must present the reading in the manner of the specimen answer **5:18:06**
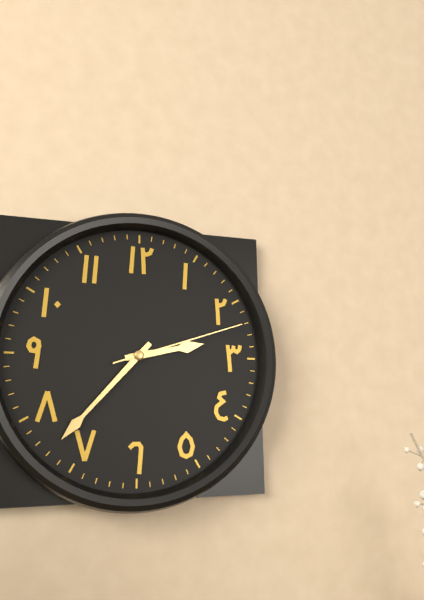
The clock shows **2:37:12**
